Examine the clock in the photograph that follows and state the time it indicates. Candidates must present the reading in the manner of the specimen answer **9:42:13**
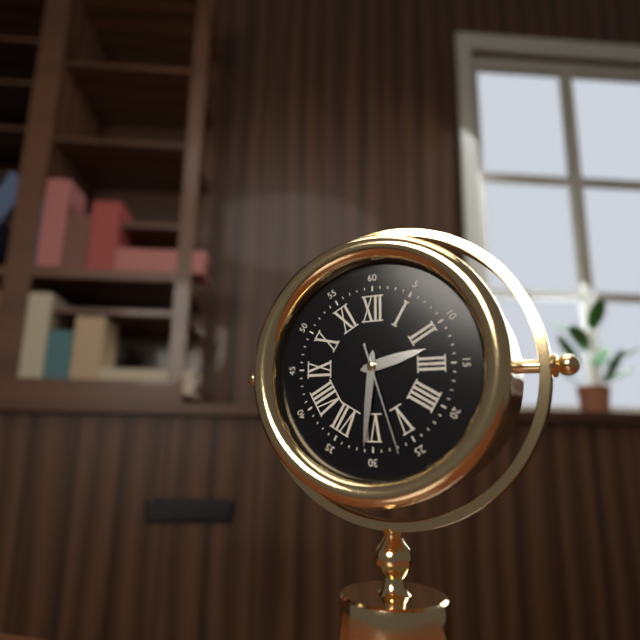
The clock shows **2:31:27**
